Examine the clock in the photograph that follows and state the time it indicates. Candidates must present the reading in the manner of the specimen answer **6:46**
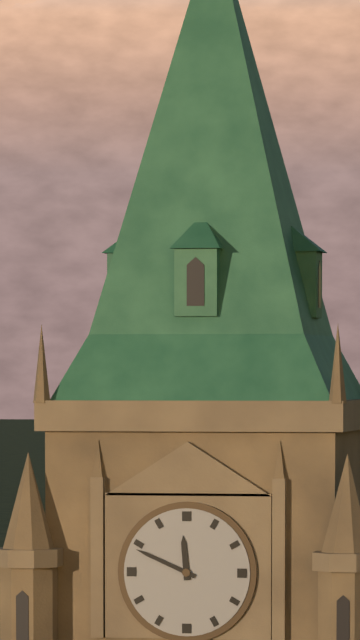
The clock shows **11:49**
